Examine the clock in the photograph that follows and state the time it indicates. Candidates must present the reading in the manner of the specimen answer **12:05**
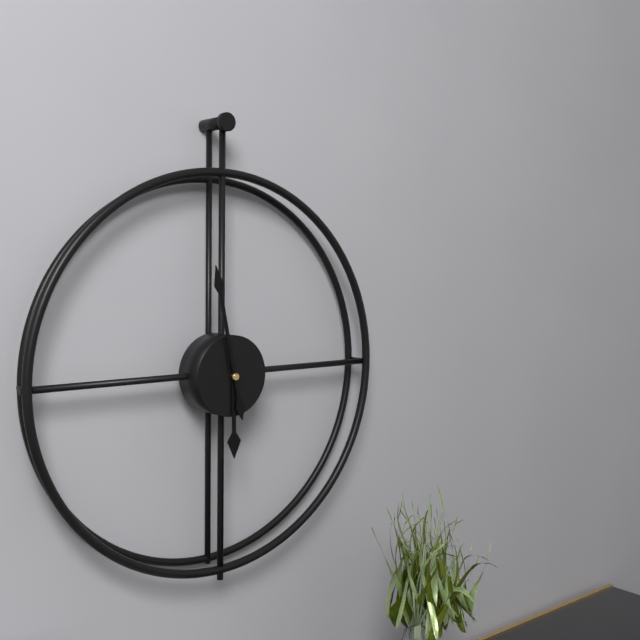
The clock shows **5:58**
